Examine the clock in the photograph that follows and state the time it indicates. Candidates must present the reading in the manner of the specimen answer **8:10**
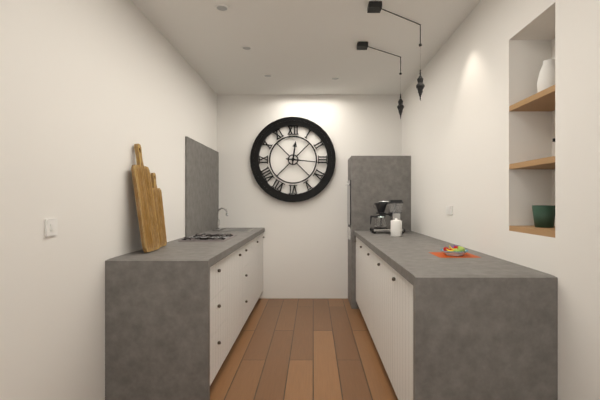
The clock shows **12:16**
